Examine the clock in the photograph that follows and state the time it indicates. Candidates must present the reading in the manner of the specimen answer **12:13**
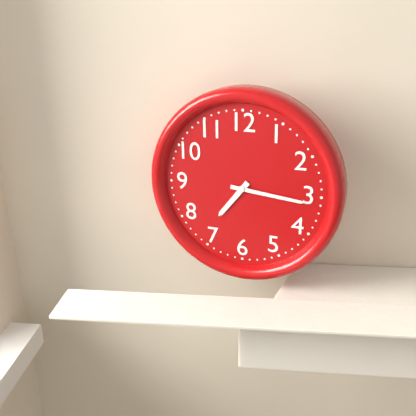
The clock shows **7:16**
